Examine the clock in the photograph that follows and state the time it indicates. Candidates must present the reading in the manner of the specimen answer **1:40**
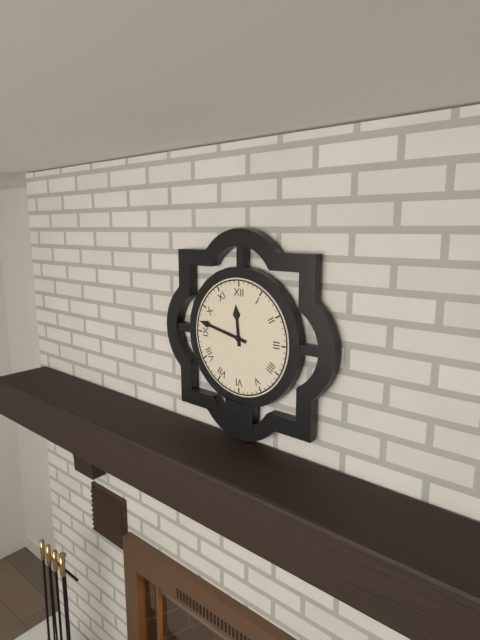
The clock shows **11:47**
